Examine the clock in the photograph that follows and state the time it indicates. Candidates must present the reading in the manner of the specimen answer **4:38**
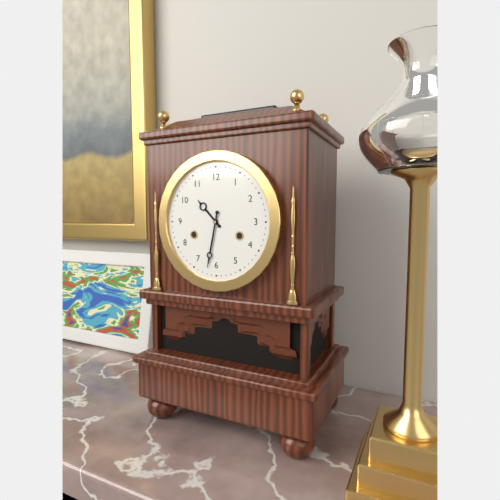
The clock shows **10:32**
